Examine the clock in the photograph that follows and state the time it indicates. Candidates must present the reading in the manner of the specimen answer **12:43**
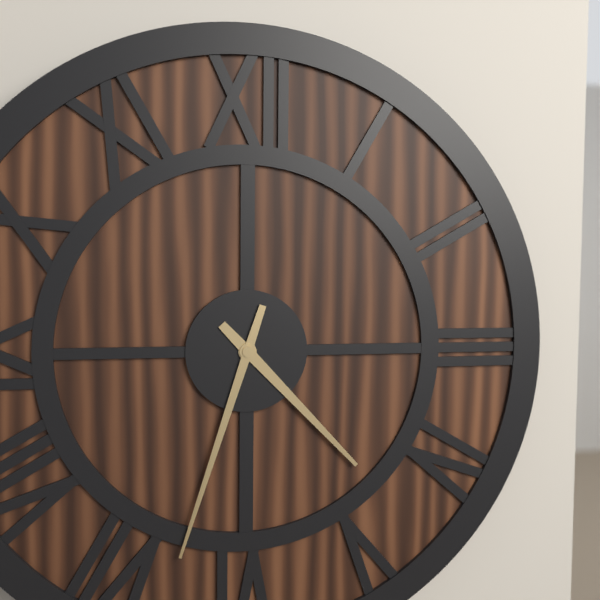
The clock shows **4:33**
